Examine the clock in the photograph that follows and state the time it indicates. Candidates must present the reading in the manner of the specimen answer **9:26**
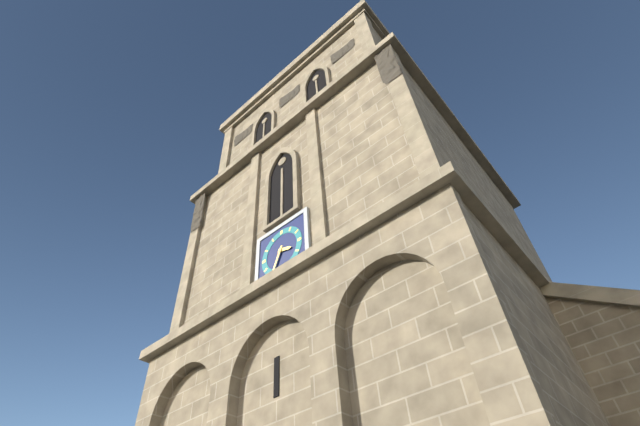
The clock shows **3:34**
